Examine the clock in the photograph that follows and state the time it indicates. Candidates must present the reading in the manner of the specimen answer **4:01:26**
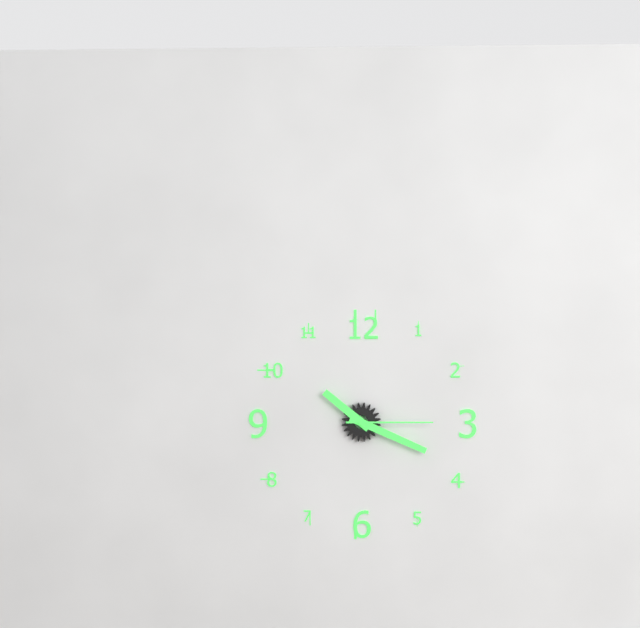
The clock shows **10:19:15**
